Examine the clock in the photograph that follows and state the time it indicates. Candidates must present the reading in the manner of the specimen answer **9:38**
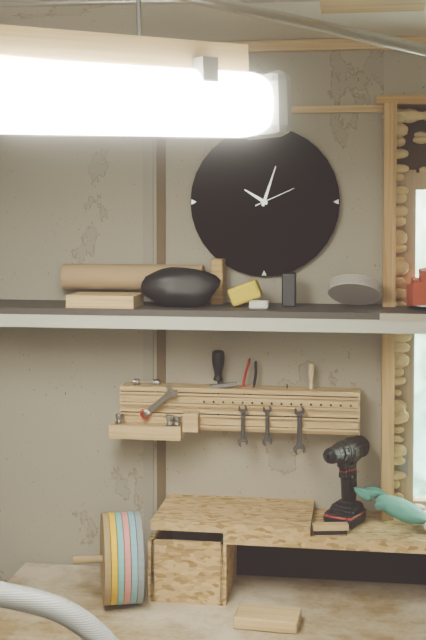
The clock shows **10:03**
